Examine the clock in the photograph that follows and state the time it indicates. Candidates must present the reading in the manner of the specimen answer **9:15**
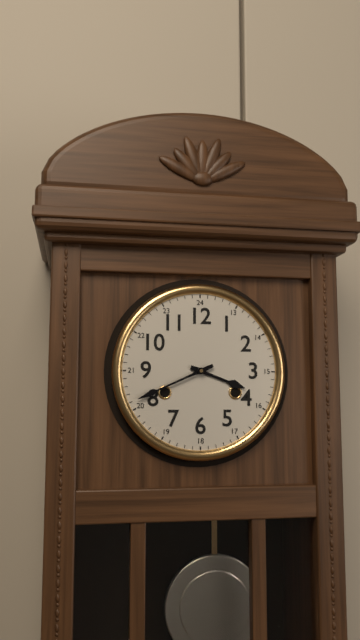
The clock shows **3:41**
